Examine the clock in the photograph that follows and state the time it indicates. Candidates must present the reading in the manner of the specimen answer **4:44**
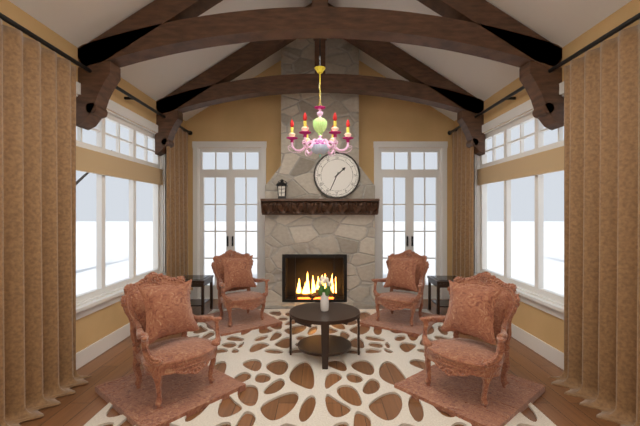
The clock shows **1:34**
